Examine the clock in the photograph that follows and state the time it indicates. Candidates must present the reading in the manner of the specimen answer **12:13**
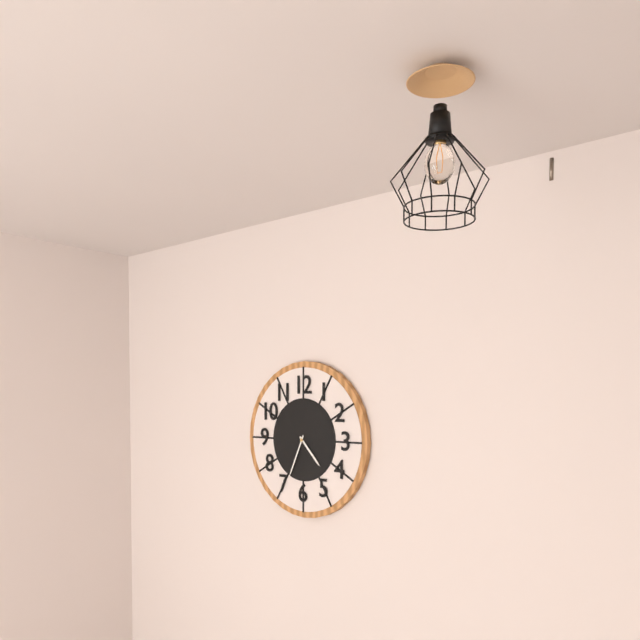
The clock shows **4:34**
